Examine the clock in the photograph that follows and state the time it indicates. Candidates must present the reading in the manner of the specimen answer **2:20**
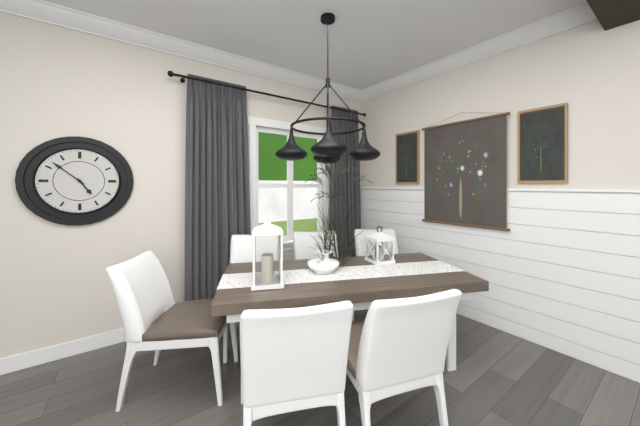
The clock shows **4:52**
